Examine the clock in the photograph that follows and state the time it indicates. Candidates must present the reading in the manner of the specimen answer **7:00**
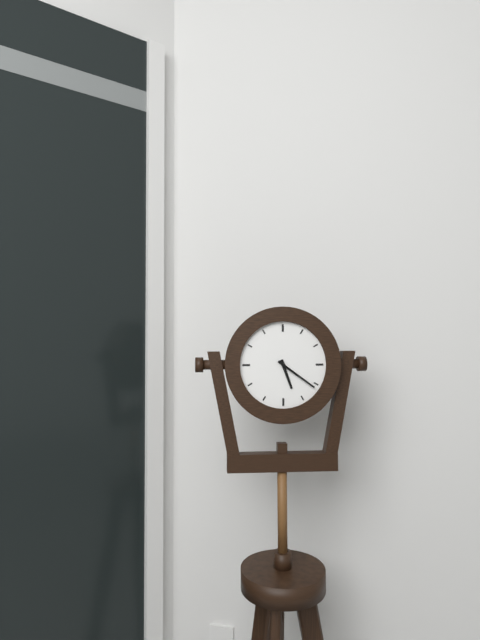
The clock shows **5:21**
